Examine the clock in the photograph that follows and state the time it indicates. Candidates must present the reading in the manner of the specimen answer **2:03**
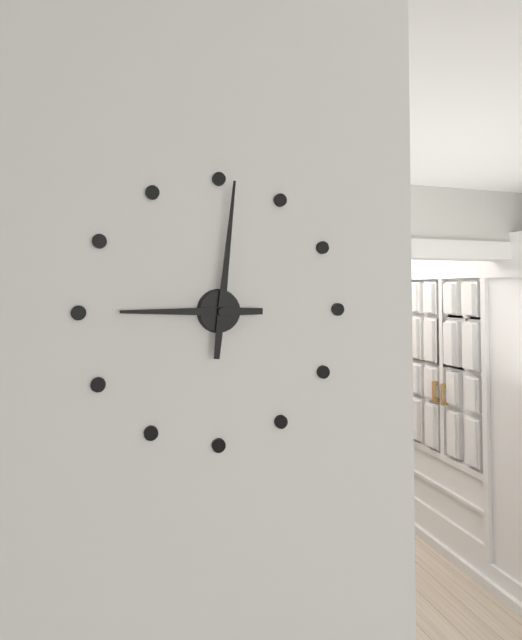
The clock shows **9:01**
